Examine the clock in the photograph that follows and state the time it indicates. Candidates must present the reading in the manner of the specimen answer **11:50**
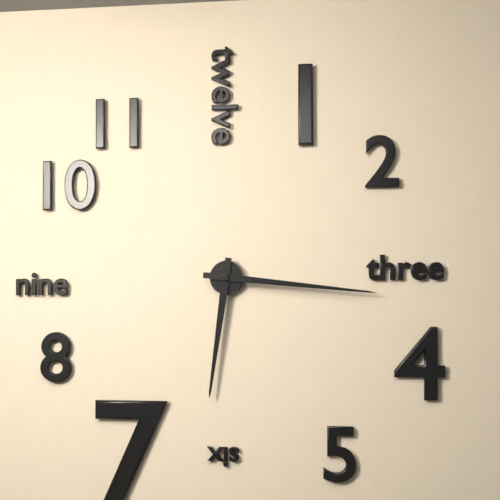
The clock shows **6:16**
